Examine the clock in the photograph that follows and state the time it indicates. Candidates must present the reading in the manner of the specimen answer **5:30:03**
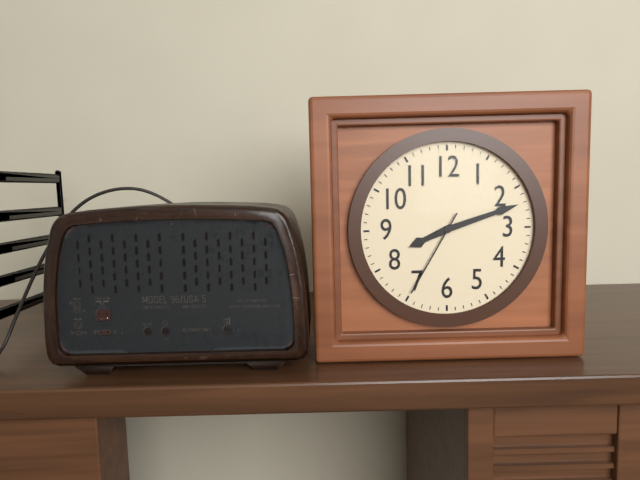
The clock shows **8:12:35**
